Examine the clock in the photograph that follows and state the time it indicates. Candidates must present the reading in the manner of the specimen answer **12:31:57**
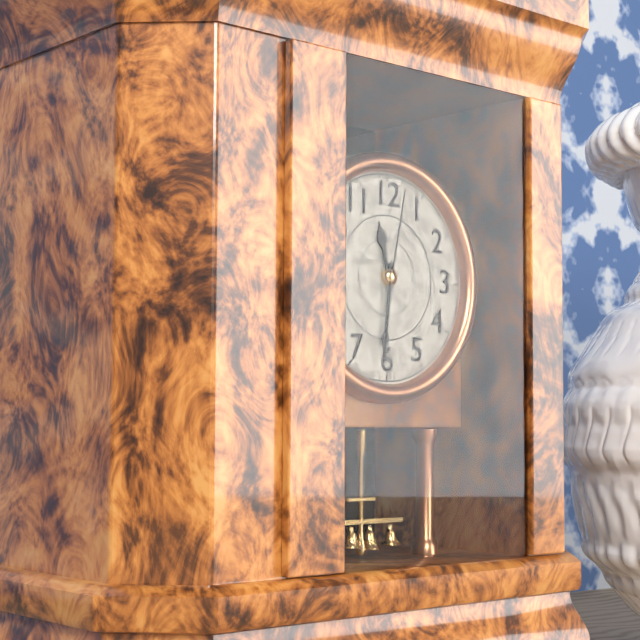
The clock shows **11:31:02**
